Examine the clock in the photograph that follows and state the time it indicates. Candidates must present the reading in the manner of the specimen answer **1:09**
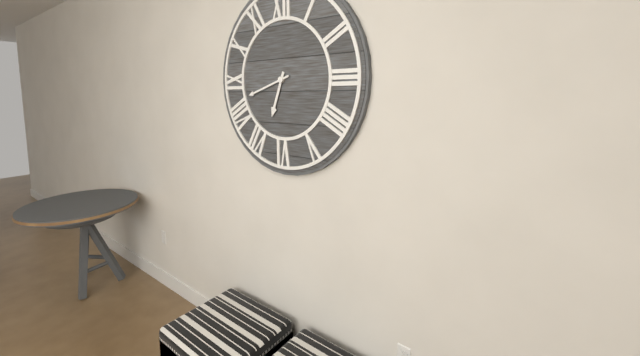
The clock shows **6:42**
